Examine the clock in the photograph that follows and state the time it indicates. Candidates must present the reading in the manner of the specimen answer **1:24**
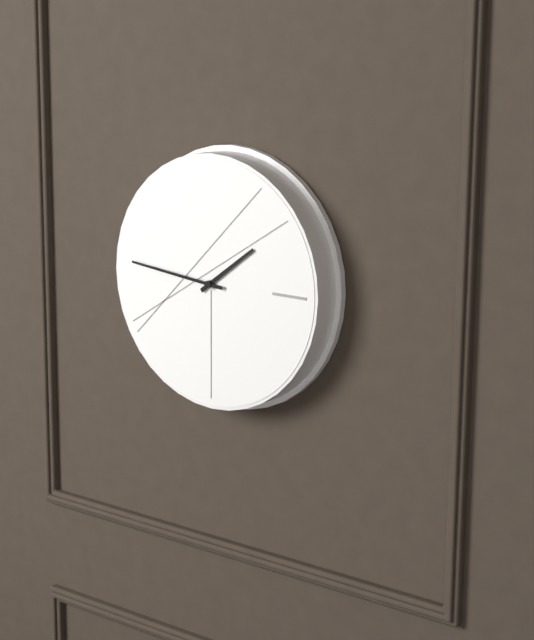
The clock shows **1:46**
